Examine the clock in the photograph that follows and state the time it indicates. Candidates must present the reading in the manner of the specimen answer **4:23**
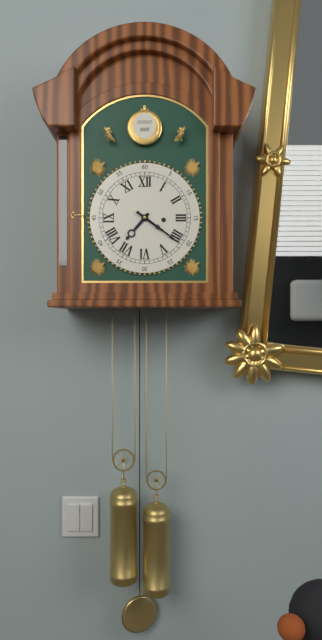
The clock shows **7:21**
